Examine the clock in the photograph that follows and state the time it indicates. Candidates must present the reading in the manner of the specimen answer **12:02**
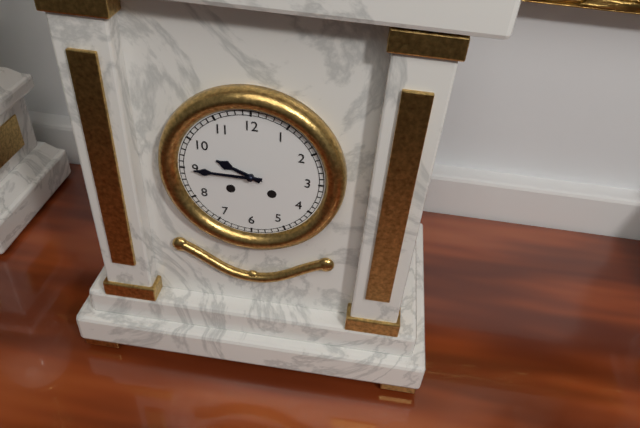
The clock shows **9:45**
